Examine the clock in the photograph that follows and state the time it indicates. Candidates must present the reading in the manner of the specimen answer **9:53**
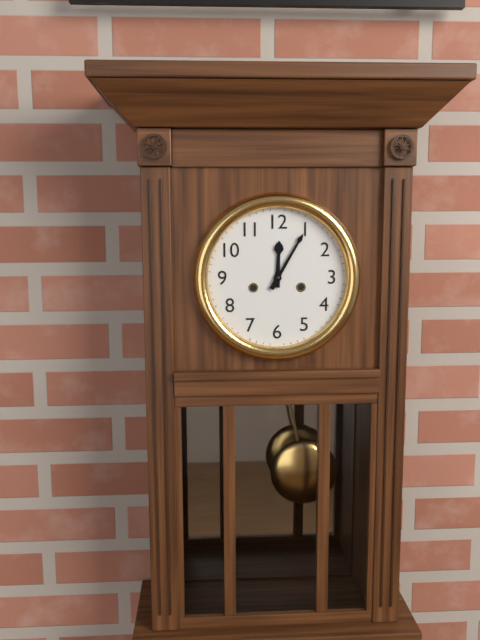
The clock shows **12:05**
